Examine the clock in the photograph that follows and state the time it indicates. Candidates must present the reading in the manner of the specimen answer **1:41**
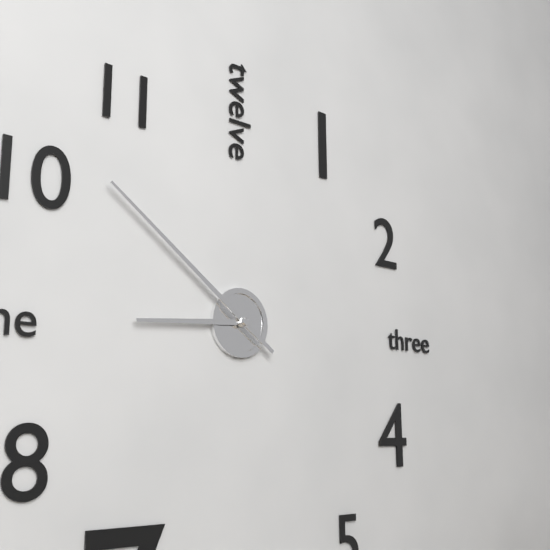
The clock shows **8:51**
